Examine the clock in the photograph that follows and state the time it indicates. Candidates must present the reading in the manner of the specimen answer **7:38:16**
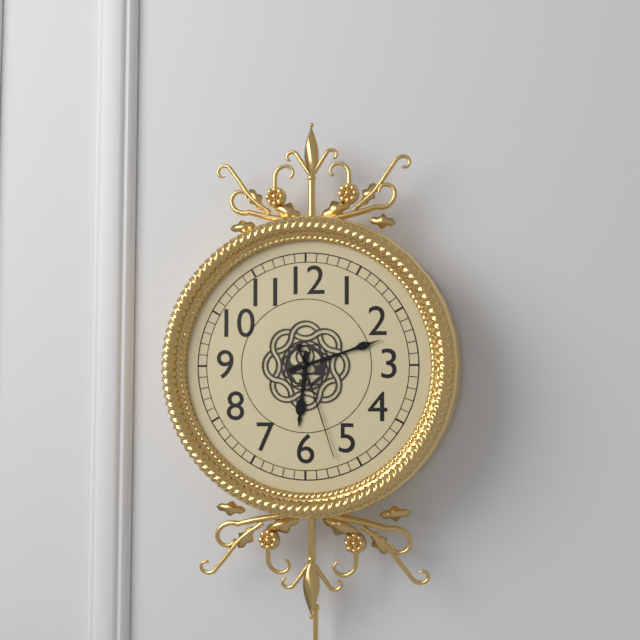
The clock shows **6:12:27**
